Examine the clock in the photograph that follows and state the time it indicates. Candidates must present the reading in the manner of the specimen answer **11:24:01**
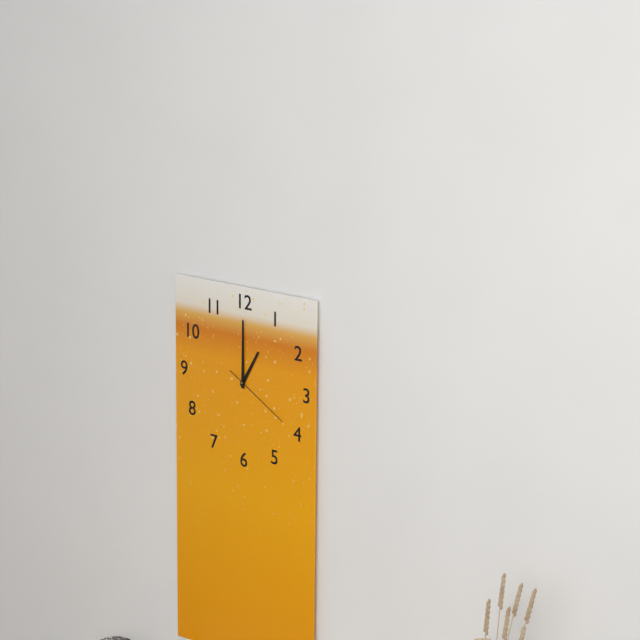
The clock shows **1:00:20**
